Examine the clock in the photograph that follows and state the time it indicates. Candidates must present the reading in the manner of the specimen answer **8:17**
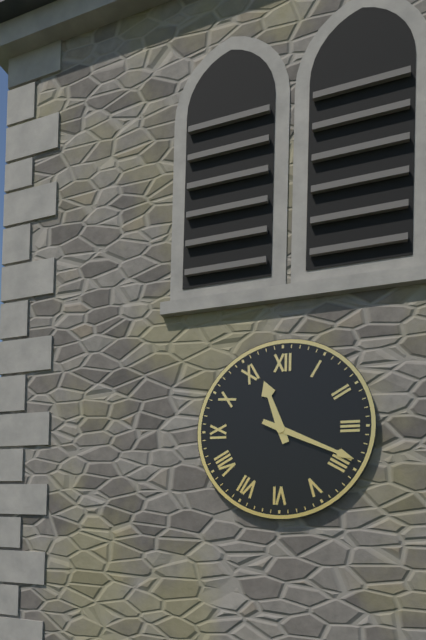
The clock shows **11:19**
